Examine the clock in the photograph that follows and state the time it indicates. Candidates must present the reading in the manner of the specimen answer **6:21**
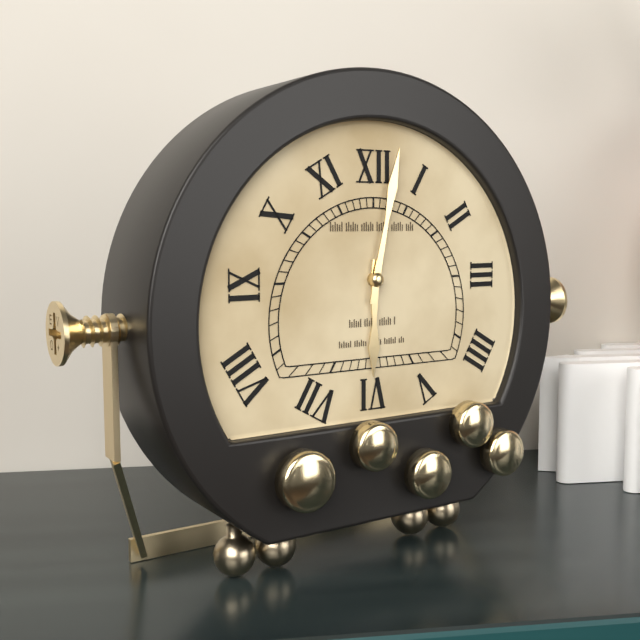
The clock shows **6:02**
